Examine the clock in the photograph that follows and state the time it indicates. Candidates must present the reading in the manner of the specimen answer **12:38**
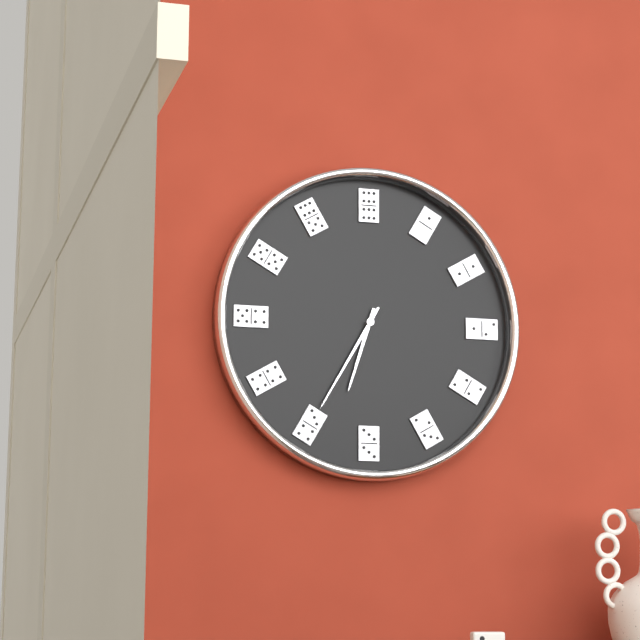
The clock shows **6:35**
